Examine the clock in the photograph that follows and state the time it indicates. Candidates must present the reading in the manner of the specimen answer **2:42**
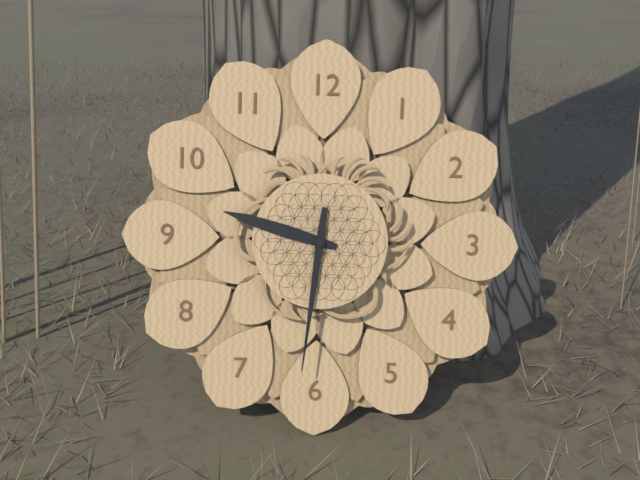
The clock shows **9:31**
